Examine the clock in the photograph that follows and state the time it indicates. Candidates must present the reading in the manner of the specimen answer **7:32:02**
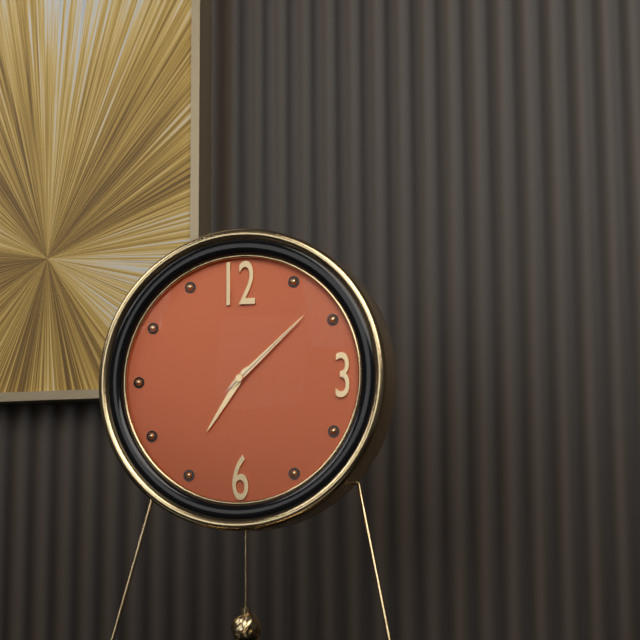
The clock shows **7:08:08**
